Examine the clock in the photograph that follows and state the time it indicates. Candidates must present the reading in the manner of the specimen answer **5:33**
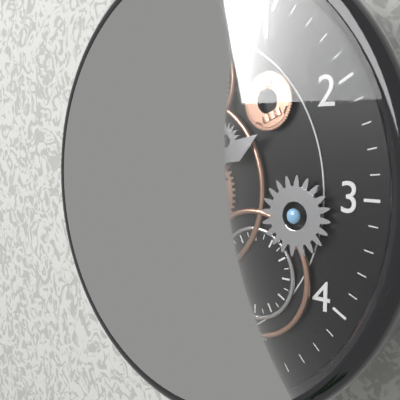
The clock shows **1:58**
